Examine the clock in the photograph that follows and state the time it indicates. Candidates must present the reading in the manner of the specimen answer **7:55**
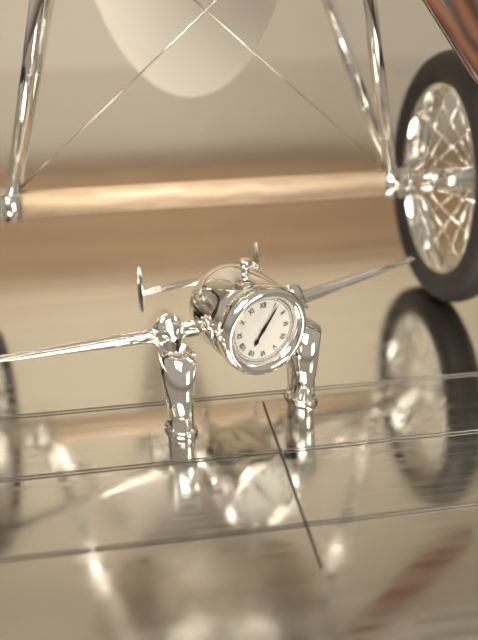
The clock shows **7:06**
